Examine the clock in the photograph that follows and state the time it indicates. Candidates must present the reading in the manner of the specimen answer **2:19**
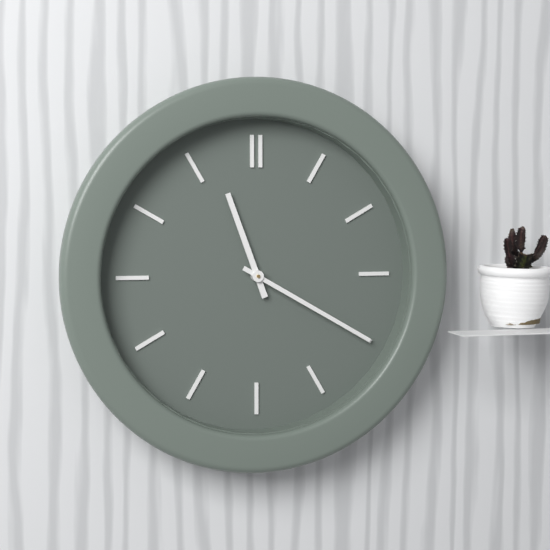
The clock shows **11:20**
